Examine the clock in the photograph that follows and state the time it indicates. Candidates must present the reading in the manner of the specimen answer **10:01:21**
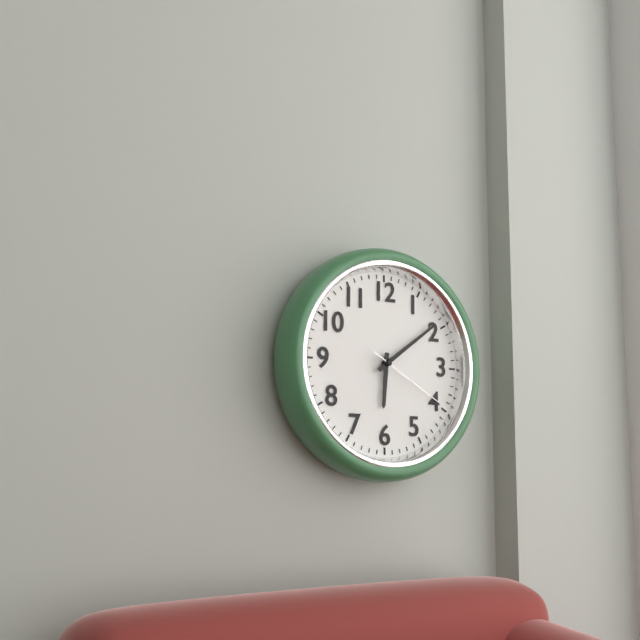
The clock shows **6:09:20**
